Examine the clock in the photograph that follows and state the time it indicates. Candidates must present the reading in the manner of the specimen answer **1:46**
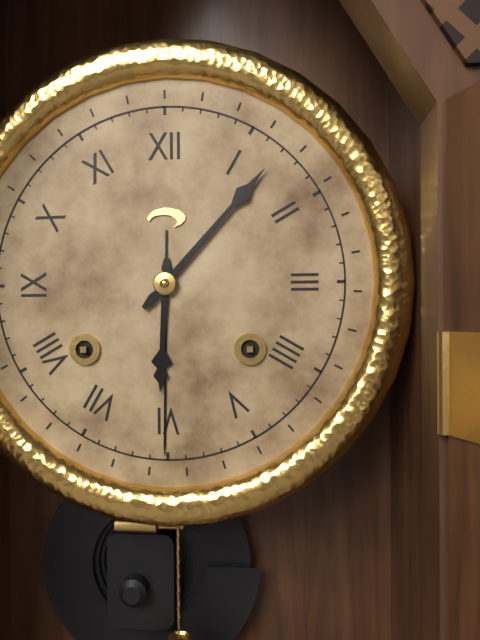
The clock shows **6:07**
